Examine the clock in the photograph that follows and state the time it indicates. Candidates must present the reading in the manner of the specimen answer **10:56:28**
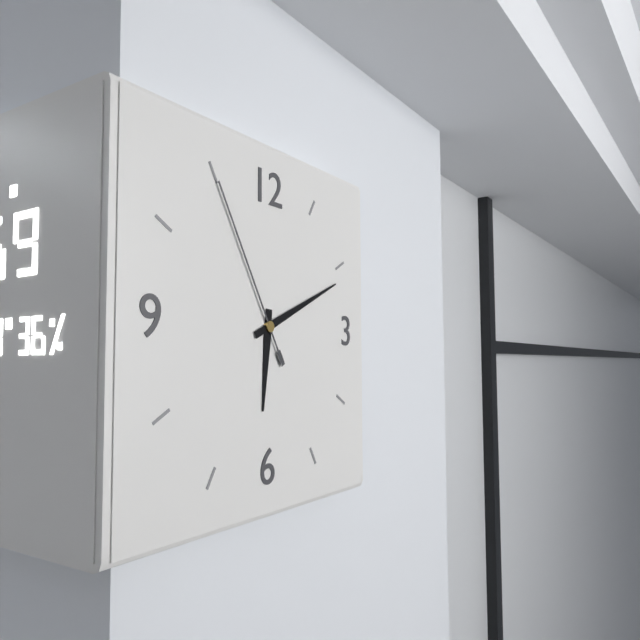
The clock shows **6:11:55**
